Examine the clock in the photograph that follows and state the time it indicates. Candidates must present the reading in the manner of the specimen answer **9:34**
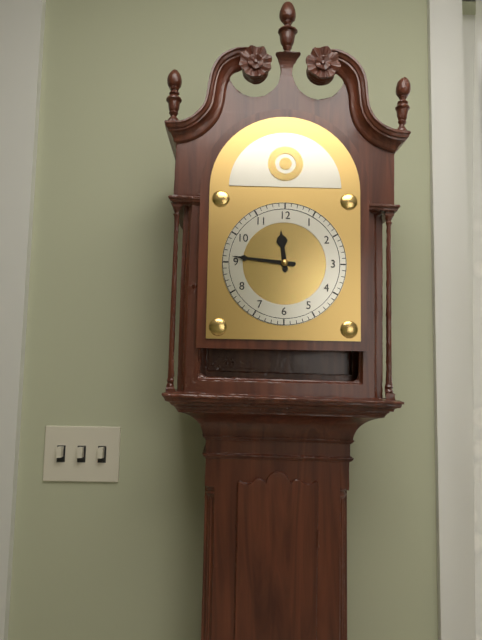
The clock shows **11:46**
